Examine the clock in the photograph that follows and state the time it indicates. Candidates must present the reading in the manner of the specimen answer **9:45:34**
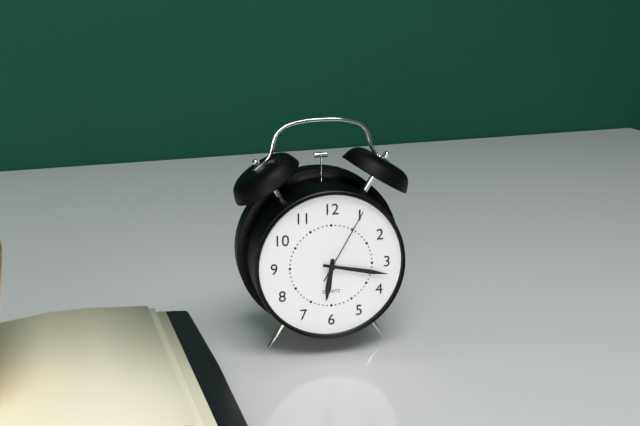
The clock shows **6:17:05**
